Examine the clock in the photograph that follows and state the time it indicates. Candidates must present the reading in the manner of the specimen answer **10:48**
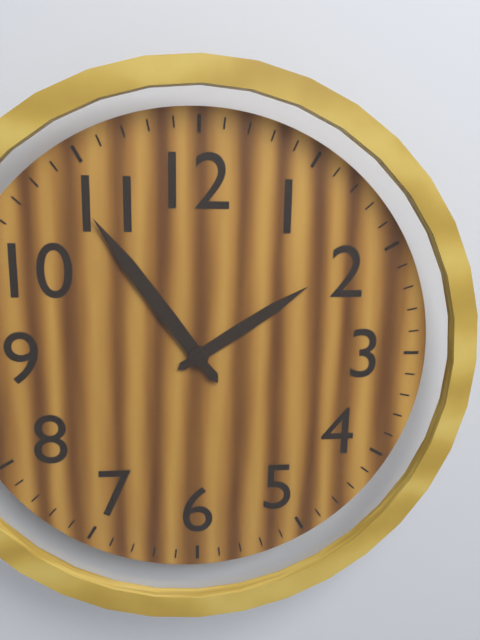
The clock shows **1:54**
